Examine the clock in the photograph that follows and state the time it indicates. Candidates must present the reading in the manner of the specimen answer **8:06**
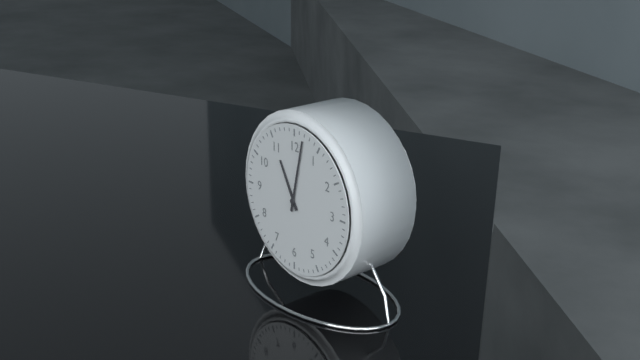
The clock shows **11:02**
